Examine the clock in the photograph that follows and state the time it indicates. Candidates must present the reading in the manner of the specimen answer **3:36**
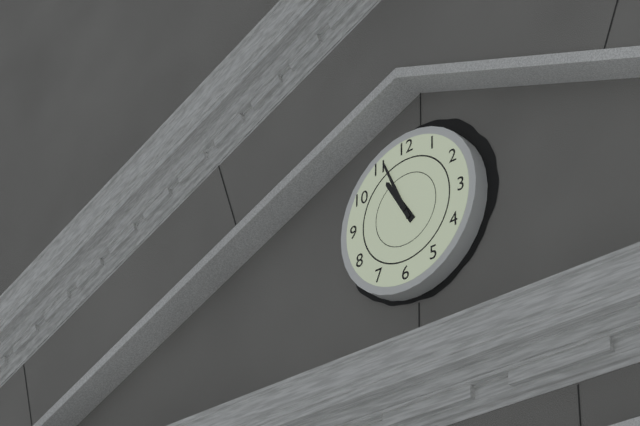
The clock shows **10:56**
